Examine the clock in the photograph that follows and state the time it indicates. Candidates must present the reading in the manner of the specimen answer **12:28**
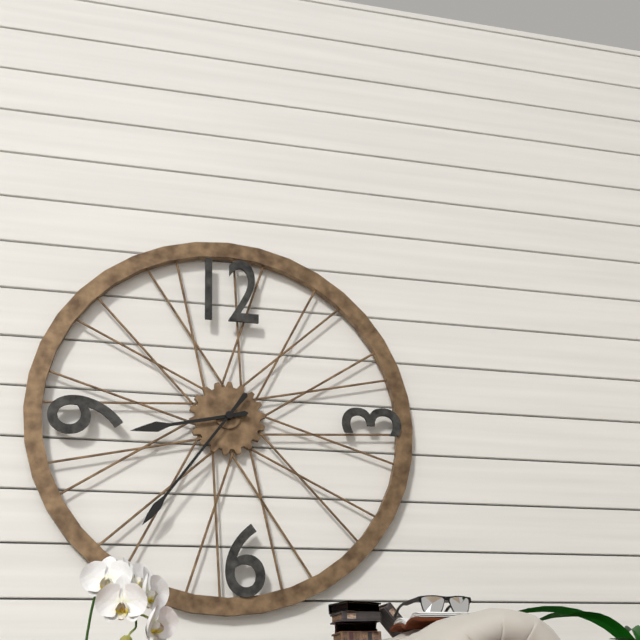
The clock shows **8:36**
